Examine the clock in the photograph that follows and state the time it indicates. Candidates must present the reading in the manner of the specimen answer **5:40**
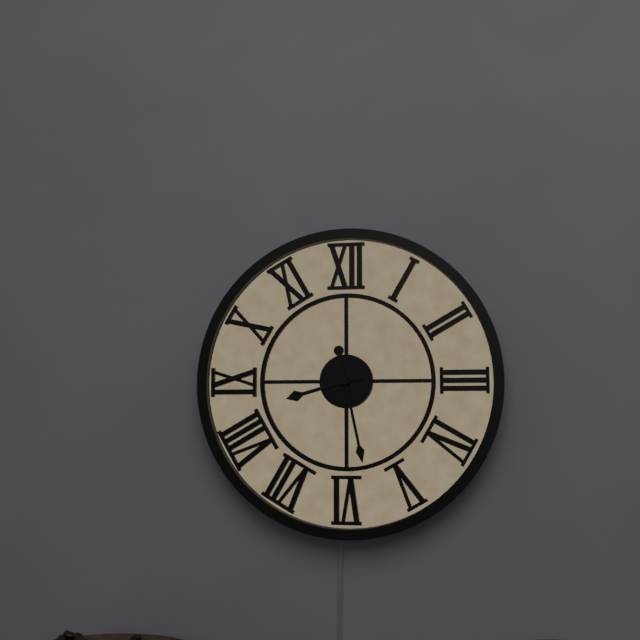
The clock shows **8:28**
